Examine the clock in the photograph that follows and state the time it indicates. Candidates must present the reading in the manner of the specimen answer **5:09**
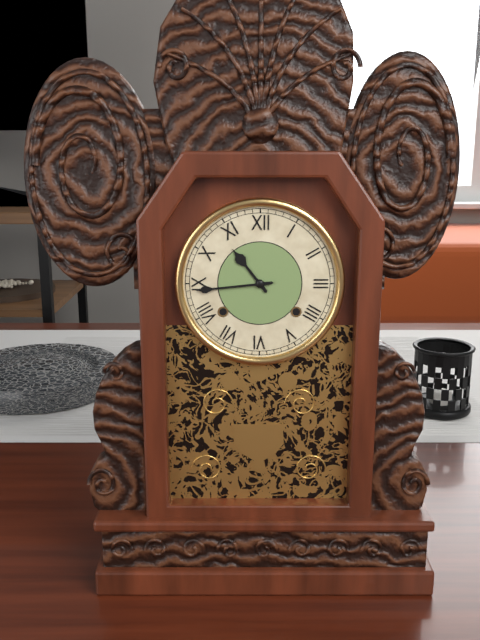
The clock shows **10:44**
